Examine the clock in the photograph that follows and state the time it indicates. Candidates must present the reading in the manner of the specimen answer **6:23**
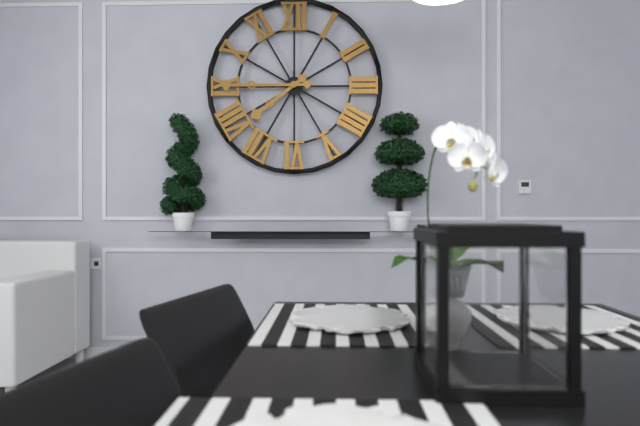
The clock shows **7:45**
